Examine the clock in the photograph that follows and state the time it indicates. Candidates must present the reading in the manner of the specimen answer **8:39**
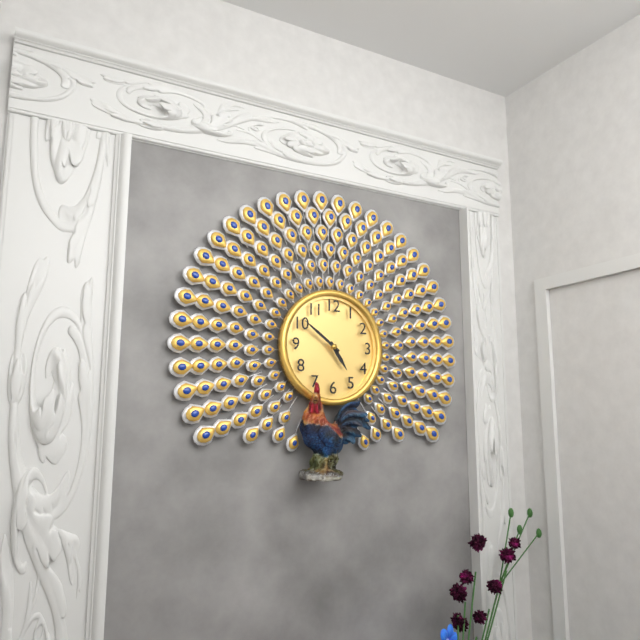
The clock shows **4:51**
